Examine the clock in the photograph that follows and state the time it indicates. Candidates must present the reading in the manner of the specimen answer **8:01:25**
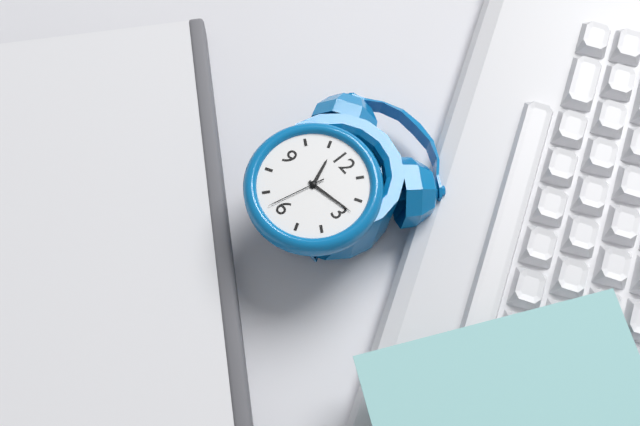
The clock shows **11:13:32**
